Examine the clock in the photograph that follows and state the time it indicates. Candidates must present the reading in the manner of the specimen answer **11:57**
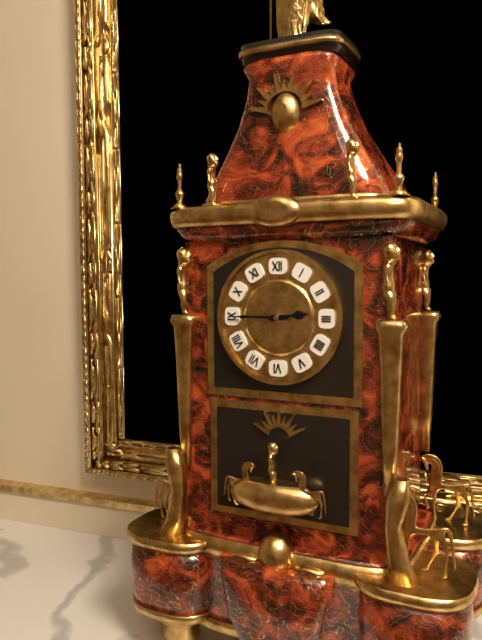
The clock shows **2:45**
